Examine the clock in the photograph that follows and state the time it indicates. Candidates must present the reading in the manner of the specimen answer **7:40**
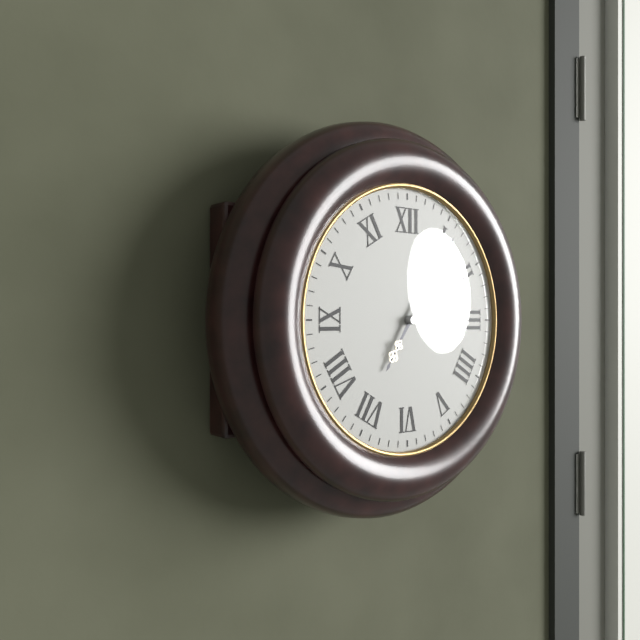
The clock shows **7:06**
